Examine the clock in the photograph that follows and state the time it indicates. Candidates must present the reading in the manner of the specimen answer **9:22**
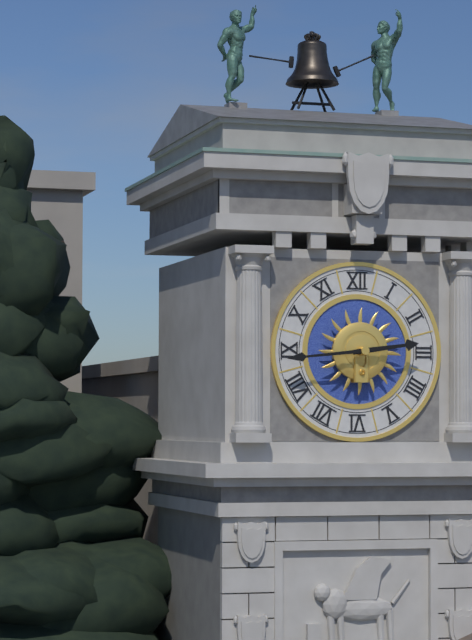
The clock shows **2:44**
